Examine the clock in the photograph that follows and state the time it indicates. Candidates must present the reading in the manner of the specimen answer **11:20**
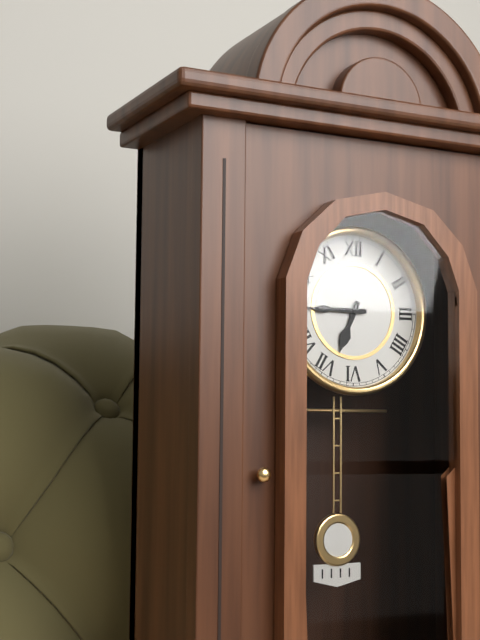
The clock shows **6:45**
